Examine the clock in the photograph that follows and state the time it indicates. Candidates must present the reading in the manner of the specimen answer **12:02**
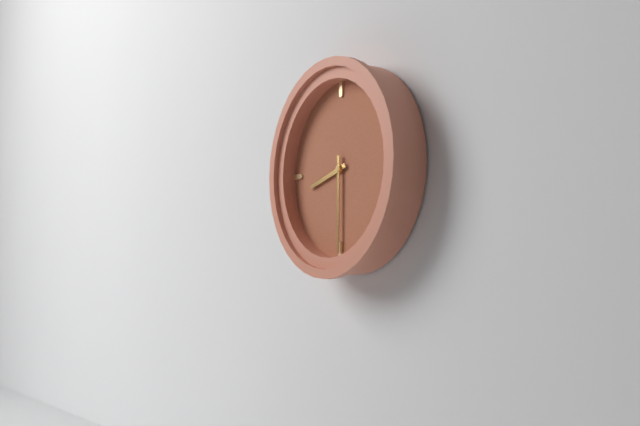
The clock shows **8:30**
